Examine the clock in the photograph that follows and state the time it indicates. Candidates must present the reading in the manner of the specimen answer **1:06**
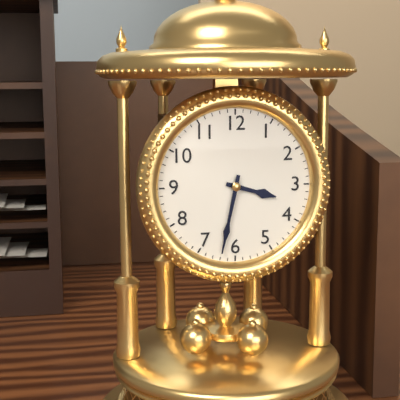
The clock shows **3:32**
